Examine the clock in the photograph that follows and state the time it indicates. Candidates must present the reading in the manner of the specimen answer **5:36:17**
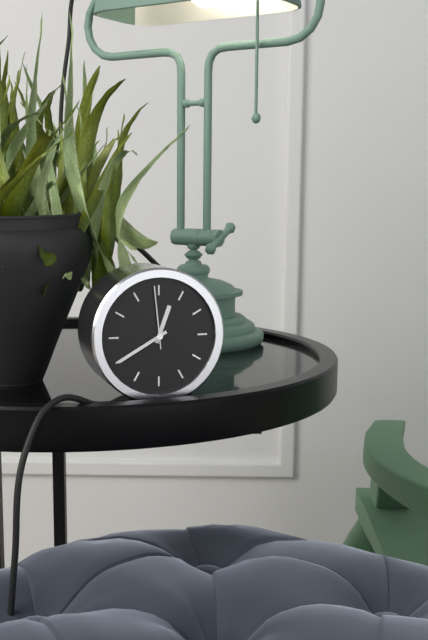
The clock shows **12:40:59**
